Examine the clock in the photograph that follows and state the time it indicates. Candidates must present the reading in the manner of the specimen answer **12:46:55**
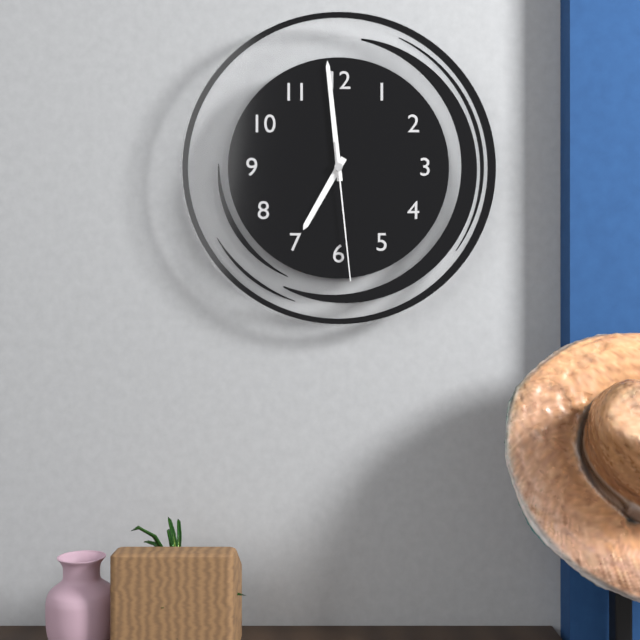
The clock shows **6:59:29**
